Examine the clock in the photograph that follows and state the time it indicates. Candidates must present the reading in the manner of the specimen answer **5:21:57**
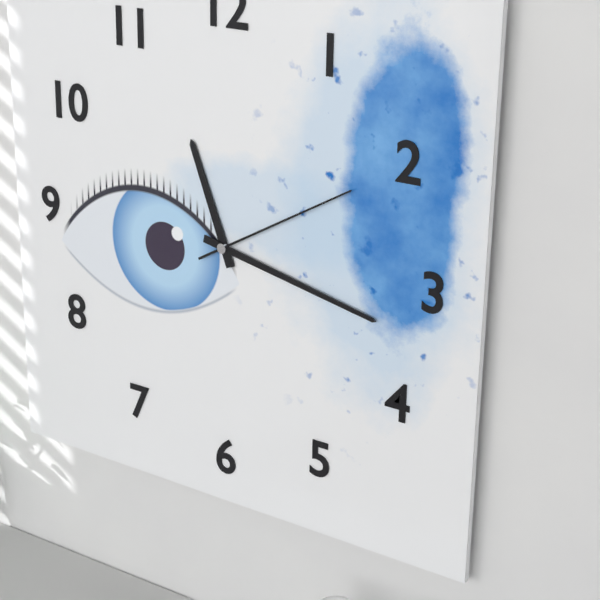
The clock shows **11:17:10**
